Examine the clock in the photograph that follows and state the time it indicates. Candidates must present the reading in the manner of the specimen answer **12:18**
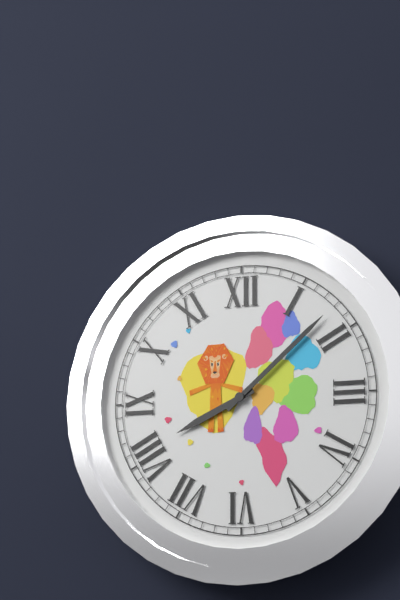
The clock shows **8:08**
